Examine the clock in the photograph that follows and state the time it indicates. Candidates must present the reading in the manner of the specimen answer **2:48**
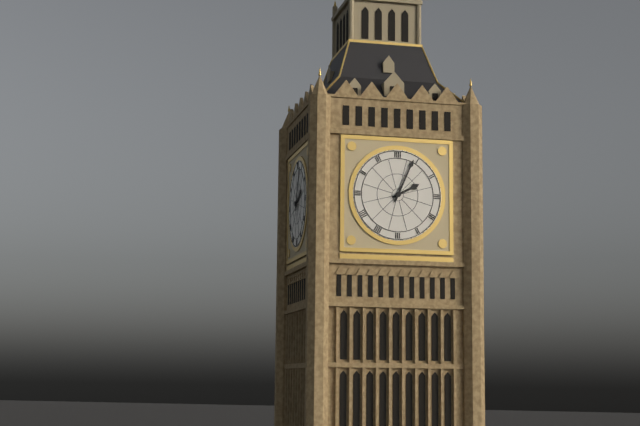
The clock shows **2:04**
